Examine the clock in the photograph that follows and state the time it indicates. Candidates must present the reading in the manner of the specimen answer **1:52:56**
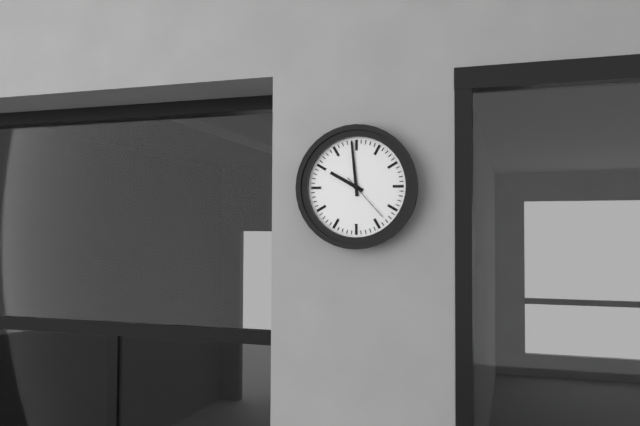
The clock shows **9:59:23**
